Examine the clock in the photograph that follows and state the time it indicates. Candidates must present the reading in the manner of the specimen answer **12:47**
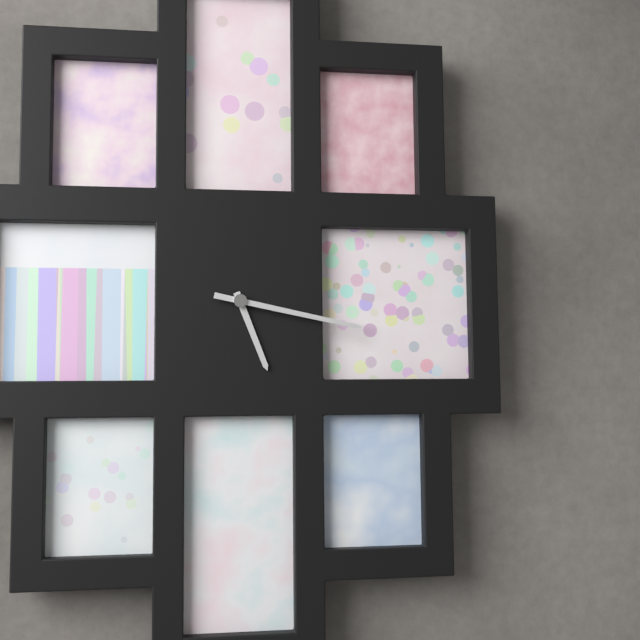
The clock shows **5:17**
